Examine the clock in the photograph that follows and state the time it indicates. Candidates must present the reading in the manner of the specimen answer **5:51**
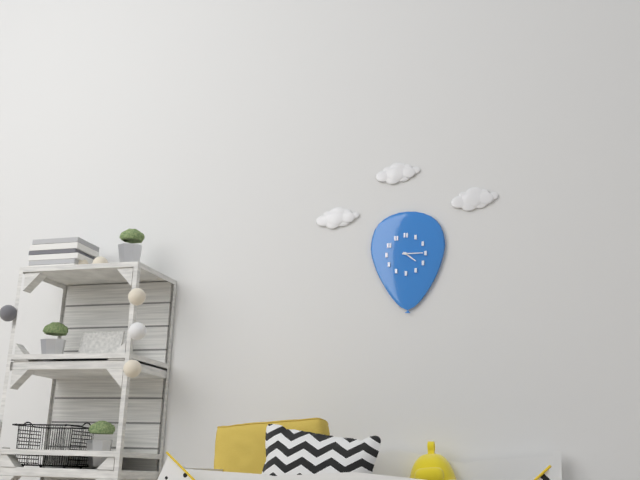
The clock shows **4:15**
